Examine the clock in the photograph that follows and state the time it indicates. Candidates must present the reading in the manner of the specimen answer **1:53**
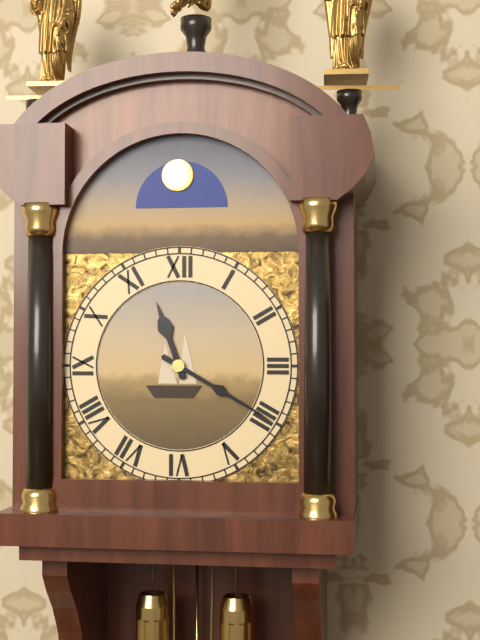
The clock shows **11:20**
